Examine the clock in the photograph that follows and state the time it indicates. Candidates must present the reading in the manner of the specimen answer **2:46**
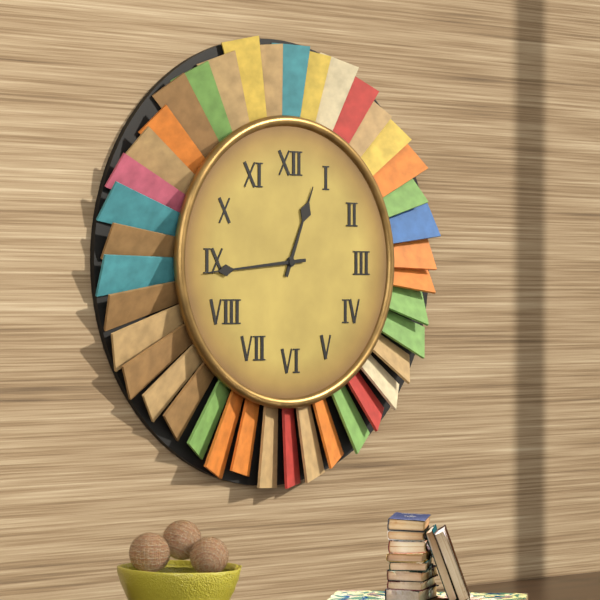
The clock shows **12:44**
